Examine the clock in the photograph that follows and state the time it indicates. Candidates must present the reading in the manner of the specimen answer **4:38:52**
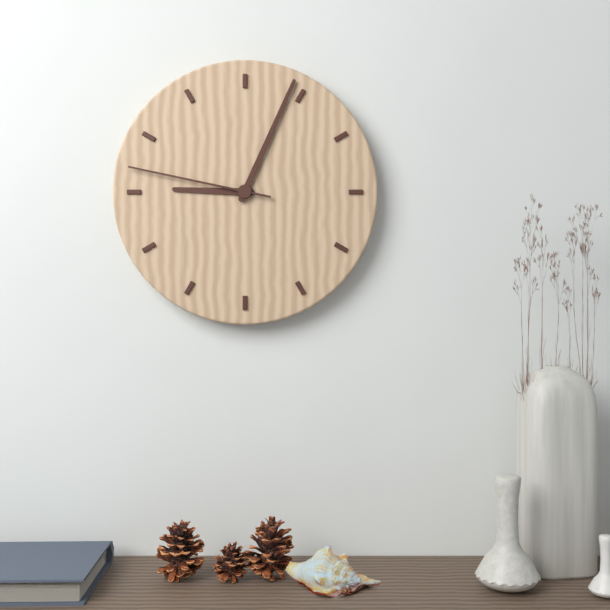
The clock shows **9:04:47**
